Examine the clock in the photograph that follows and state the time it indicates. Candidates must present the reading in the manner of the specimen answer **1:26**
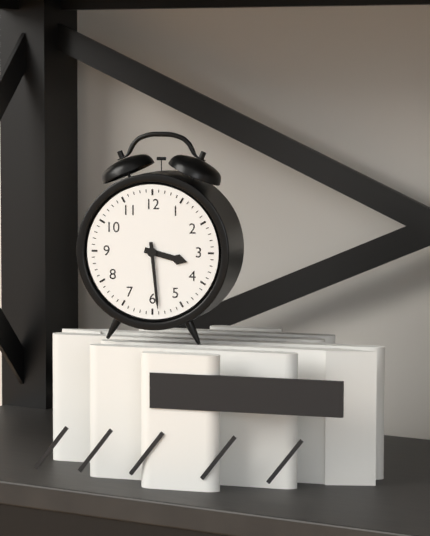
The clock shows **3:29**
